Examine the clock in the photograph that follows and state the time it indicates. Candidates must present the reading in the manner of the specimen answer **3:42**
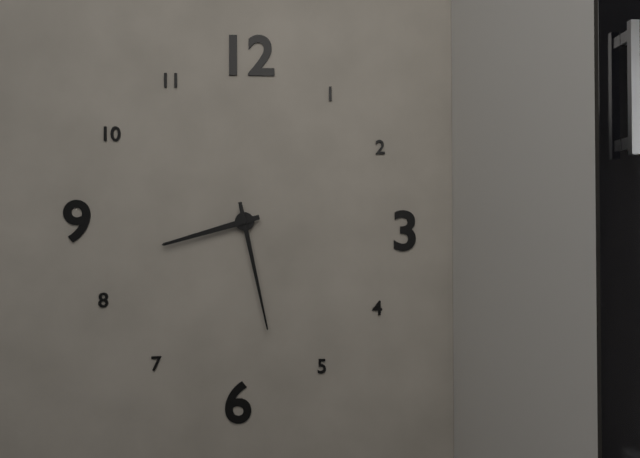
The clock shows **8:28**
